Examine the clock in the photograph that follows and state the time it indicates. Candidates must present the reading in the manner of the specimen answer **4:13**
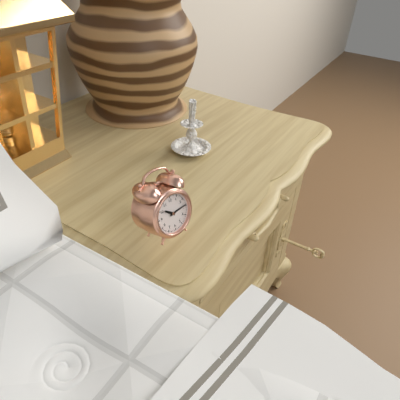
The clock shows **10:14**
